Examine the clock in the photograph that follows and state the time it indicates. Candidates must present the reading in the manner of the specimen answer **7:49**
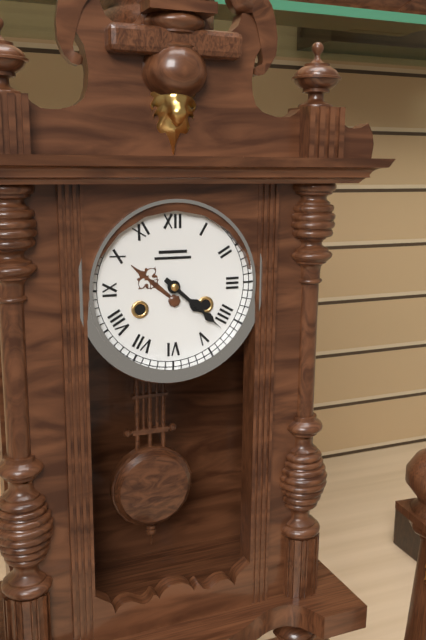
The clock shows **4:22**
